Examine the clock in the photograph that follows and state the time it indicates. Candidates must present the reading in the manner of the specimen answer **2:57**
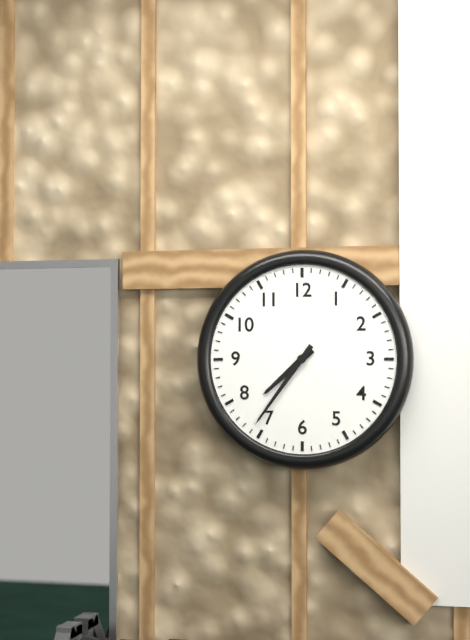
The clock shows **7:36**
